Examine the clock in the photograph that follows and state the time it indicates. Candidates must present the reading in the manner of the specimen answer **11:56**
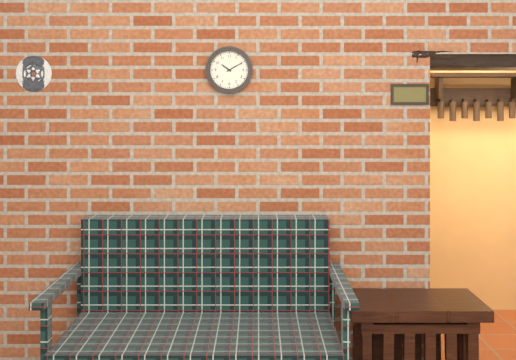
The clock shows **10:10**
